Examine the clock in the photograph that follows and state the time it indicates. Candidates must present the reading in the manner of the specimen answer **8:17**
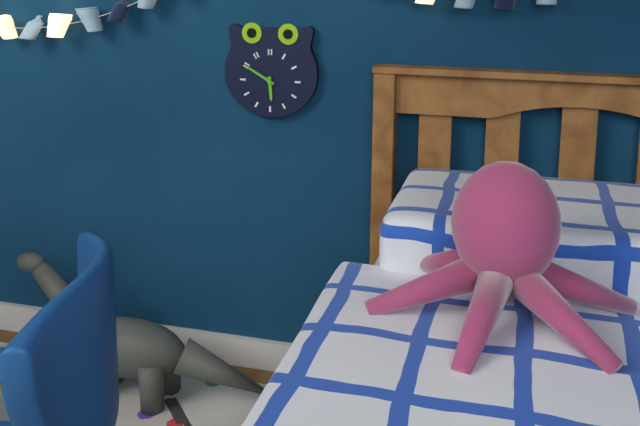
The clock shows **5:50**
